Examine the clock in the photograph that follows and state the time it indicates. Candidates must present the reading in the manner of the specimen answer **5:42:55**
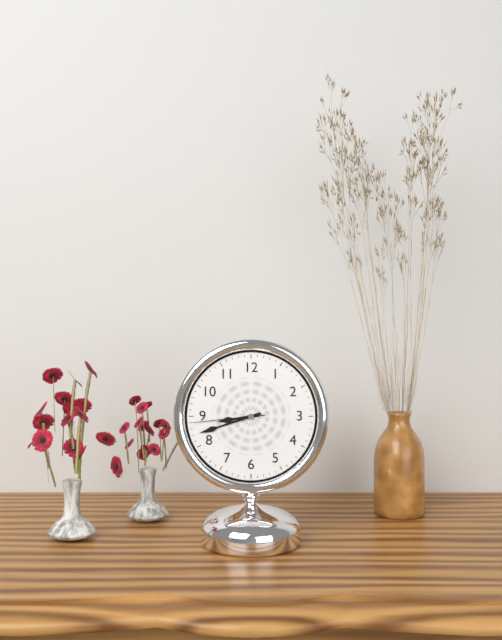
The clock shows **8:42:44**
